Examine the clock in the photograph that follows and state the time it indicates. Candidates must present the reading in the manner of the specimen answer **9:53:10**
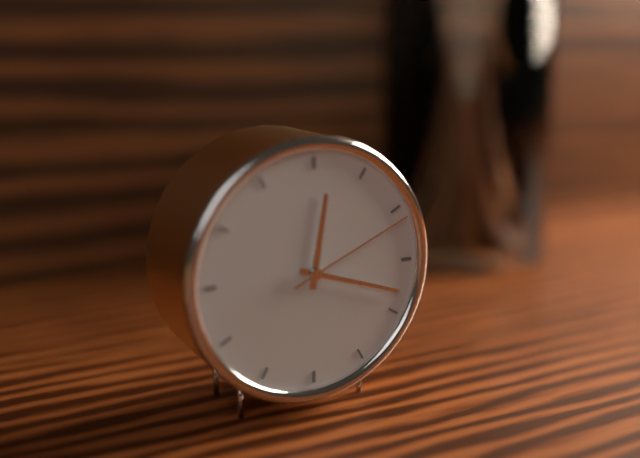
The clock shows **12:18:11**
